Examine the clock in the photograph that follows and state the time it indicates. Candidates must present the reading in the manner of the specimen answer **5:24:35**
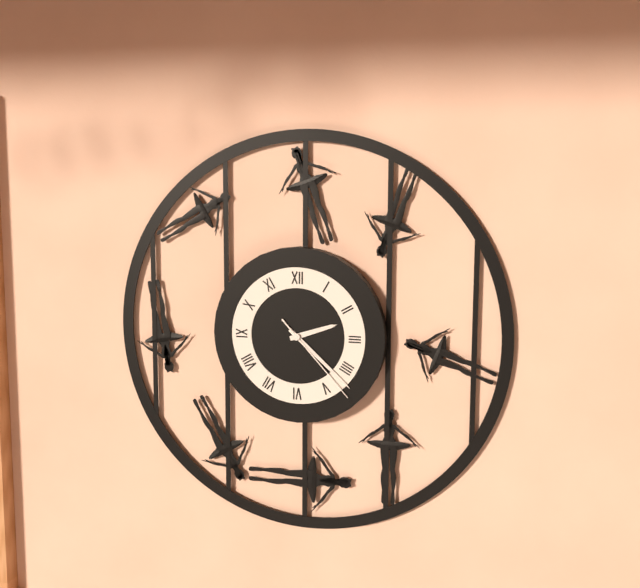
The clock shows **2:22:23**
